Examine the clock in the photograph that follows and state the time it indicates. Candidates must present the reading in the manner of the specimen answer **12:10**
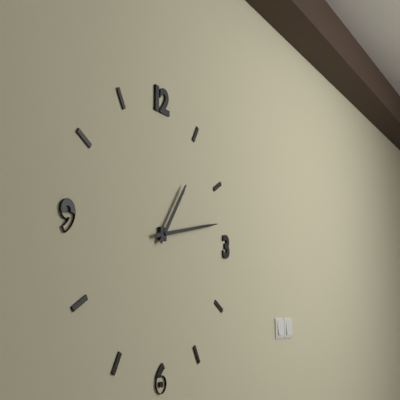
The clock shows **1:13**
